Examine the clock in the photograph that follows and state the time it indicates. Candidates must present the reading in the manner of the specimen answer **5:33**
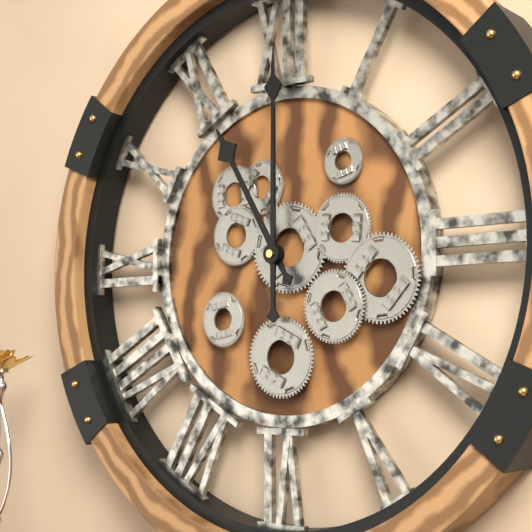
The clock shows **11:00**
